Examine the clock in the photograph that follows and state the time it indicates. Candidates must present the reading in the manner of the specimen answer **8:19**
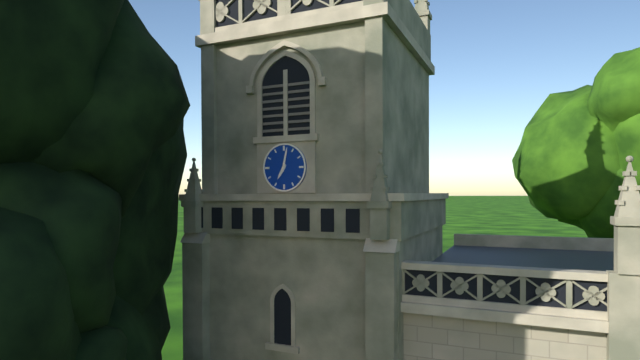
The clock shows **7:02**
